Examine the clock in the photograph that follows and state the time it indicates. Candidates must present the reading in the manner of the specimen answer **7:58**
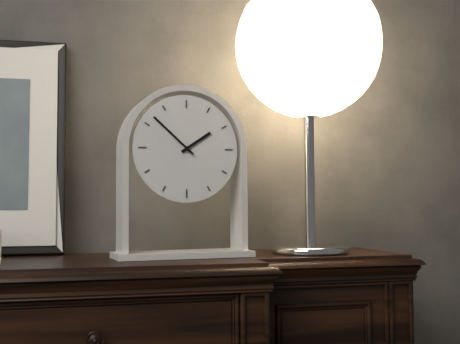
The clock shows **1:52**
